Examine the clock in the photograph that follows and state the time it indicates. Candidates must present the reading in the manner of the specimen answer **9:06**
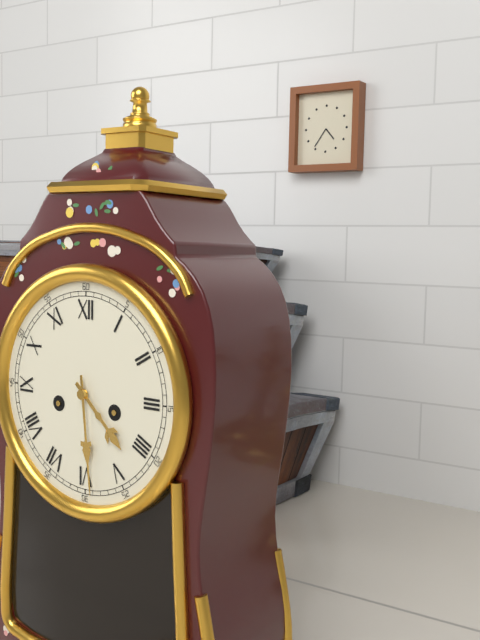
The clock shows **4:29**
